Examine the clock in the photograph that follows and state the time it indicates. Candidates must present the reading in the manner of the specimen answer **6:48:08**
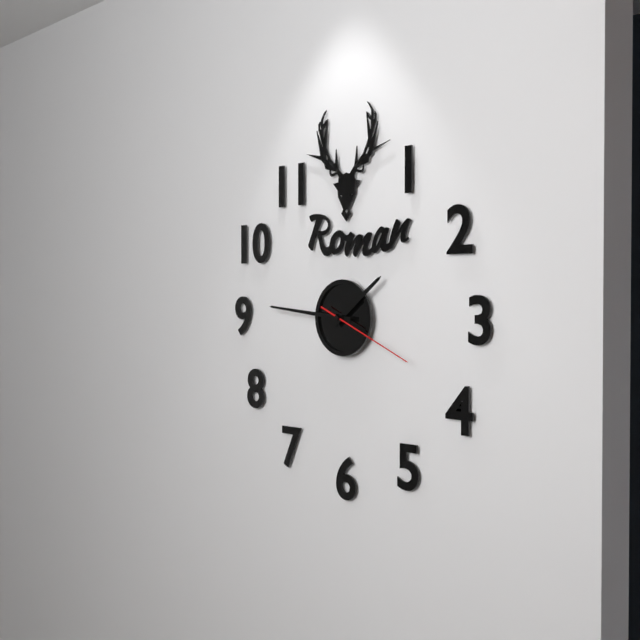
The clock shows **1:46:19**
